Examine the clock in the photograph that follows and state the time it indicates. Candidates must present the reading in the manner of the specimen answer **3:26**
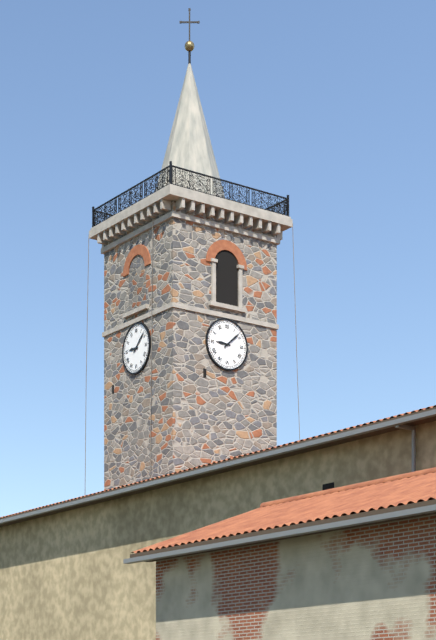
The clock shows **9:08**
